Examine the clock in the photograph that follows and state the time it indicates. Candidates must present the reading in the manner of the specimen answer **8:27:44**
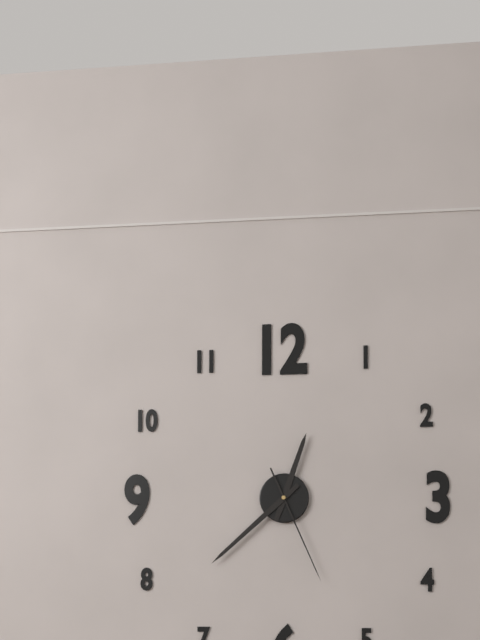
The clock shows **12:38:26**
